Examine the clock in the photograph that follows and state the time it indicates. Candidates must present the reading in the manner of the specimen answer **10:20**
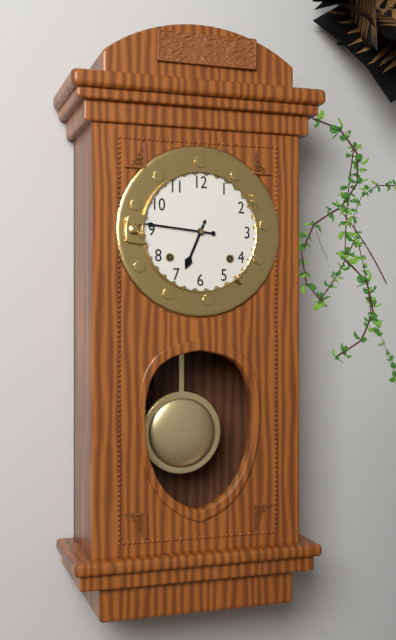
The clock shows **6:46**
